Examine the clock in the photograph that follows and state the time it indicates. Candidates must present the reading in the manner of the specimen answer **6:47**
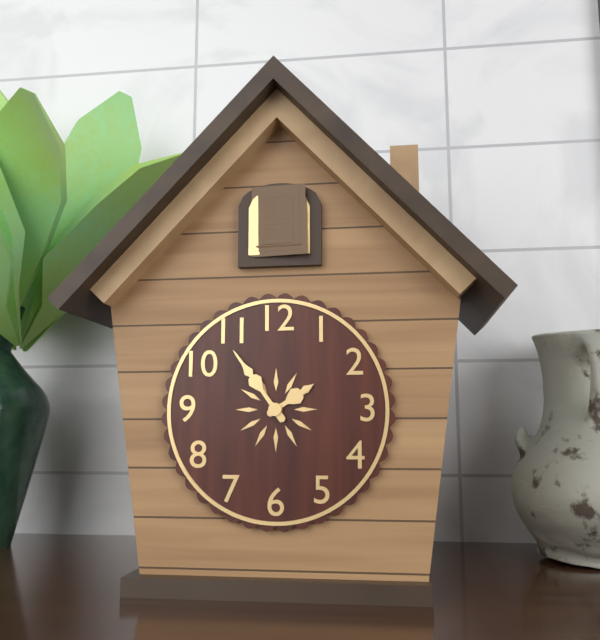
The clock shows **1:54**
